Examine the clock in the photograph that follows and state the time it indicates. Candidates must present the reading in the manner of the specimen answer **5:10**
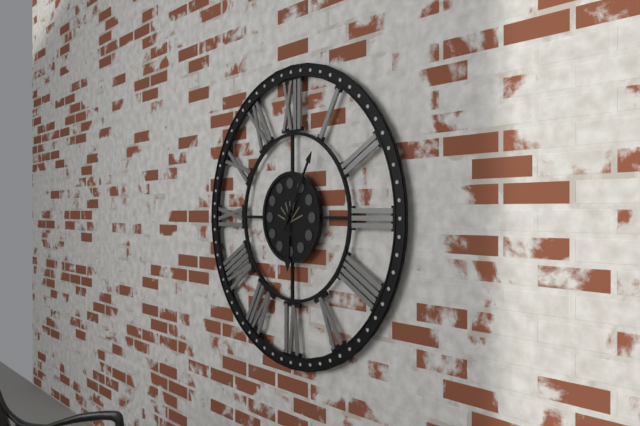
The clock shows **6:05**
